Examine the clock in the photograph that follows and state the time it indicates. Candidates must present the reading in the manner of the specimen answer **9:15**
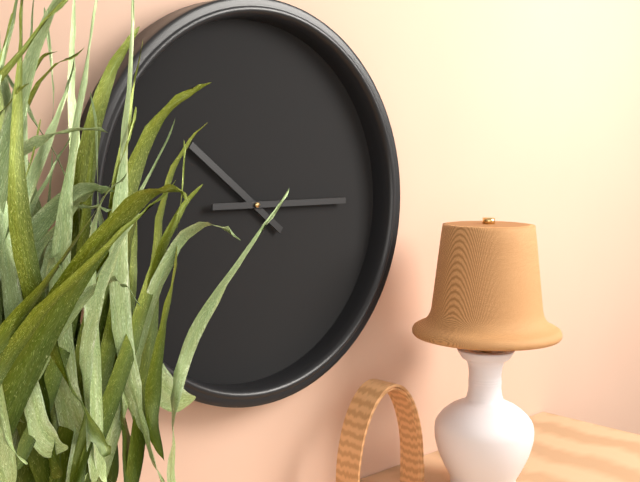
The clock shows **10:15**
